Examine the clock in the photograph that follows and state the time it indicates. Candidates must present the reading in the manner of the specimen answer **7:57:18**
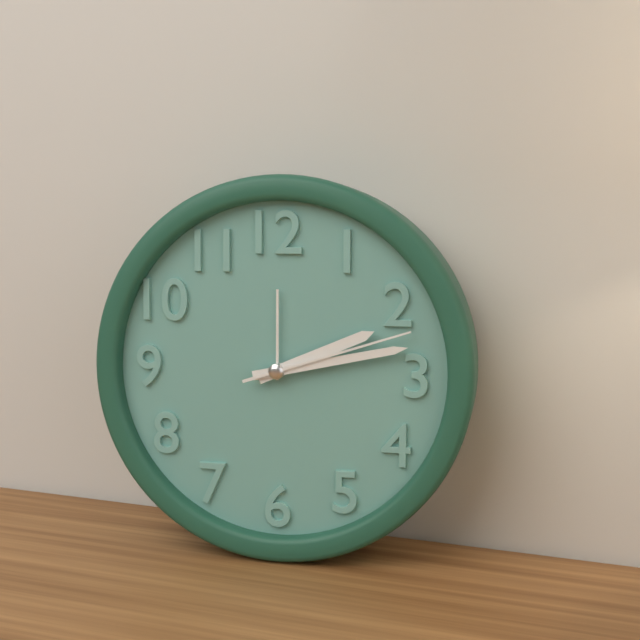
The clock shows **2:13:12**
